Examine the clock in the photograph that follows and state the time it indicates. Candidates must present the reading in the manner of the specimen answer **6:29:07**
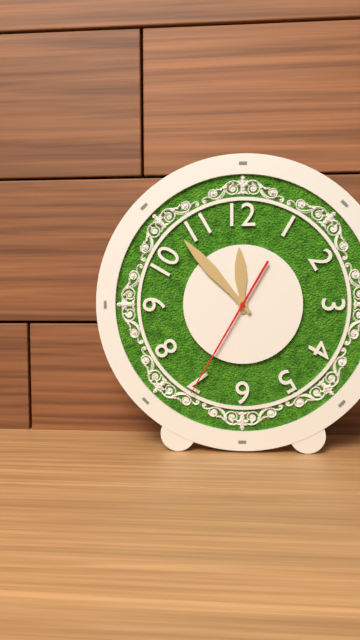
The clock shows **11:53:35**
